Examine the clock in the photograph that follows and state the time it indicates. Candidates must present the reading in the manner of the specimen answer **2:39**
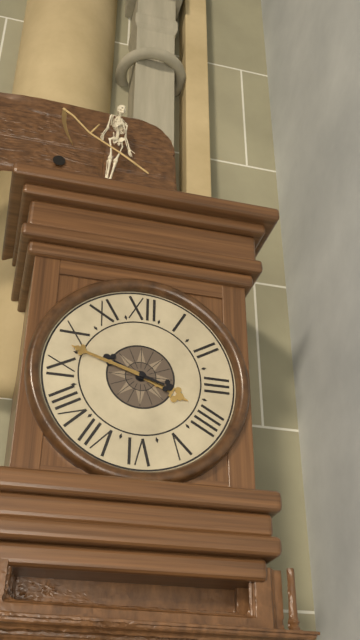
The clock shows **3:48**
